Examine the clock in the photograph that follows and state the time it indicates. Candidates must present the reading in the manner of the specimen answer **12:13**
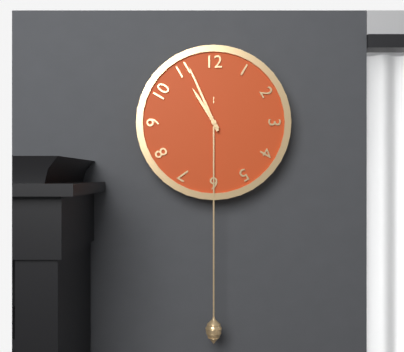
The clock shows **10:56**
